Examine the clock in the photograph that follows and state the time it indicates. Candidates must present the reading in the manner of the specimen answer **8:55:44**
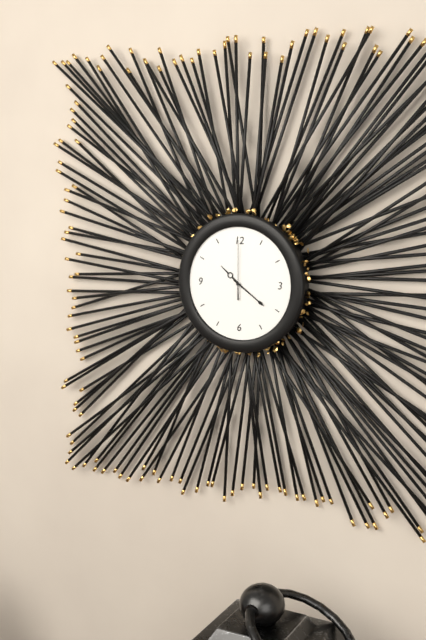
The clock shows **10:21:00**
